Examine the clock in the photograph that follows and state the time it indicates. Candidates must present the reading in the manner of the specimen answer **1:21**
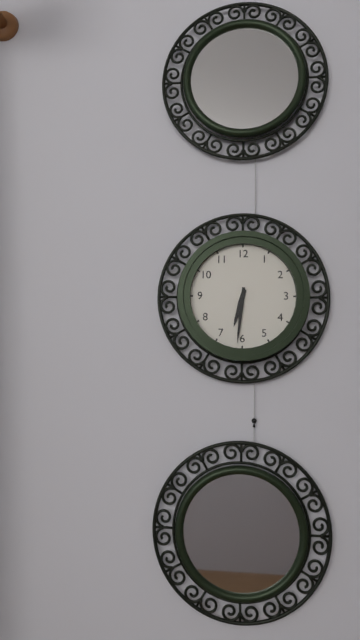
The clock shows **6:31**
